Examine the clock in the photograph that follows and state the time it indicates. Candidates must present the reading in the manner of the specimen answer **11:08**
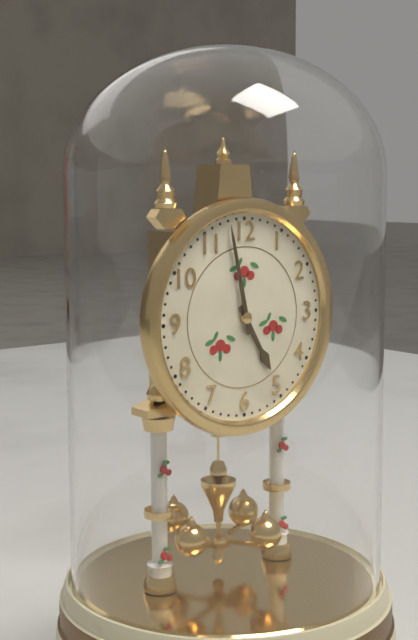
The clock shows **4:58**
